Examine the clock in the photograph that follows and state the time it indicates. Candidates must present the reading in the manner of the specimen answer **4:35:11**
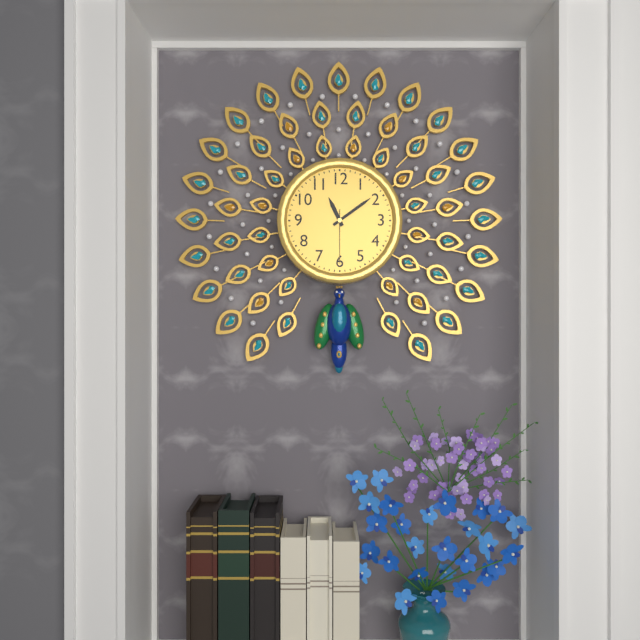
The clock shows **11:09:30**
